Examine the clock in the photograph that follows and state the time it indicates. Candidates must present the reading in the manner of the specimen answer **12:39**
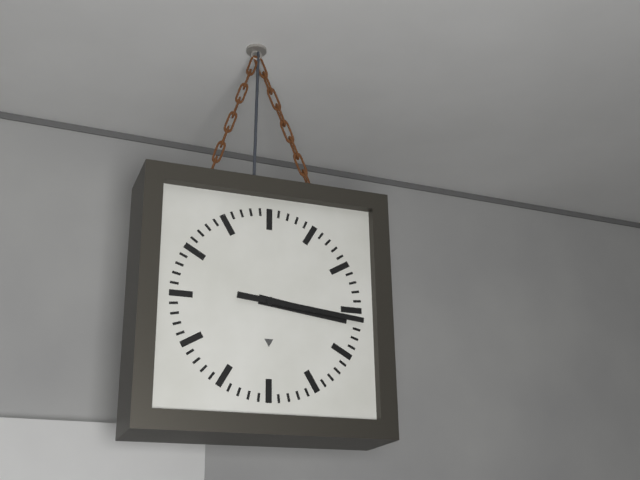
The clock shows **3:16**
